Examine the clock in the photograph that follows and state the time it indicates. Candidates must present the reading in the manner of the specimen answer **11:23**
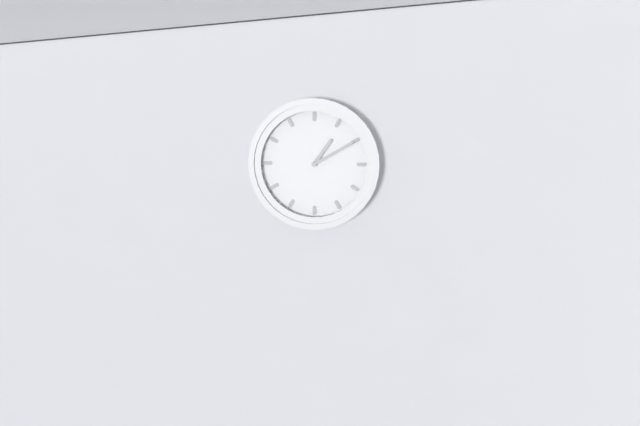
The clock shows **1:10**
